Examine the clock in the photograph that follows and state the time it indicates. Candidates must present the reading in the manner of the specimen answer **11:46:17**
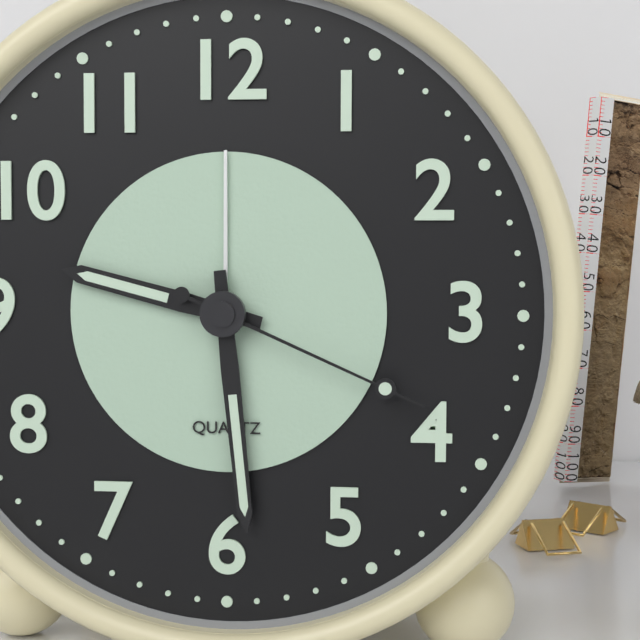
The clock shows **9:29:19**
